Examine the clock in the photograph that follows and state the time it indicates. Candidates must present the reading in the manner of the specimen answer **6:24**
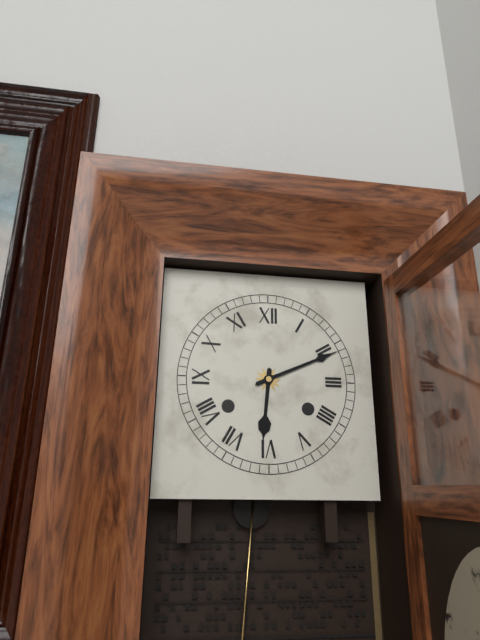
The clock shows **6:11**
